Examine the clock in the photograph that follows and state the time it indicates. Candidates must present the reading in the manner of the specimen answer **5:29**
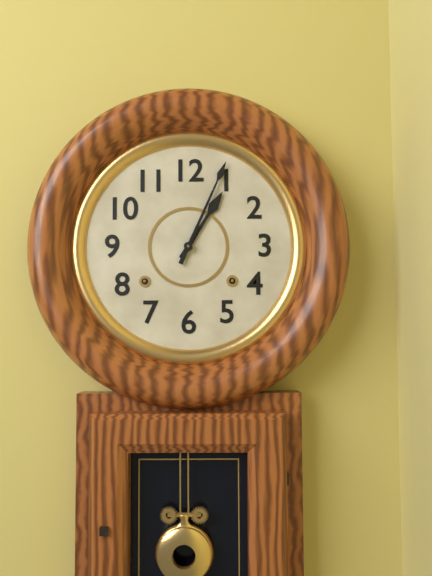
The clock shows **1:04**
